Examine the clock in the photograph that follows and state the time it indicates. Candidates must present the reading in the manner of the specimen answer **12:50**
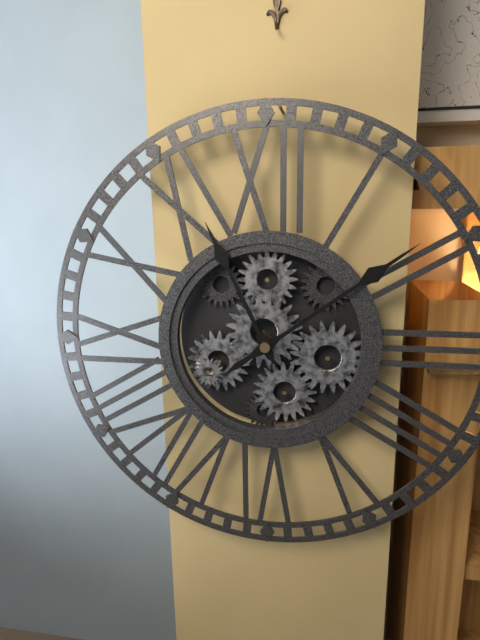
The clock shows **11:09**
